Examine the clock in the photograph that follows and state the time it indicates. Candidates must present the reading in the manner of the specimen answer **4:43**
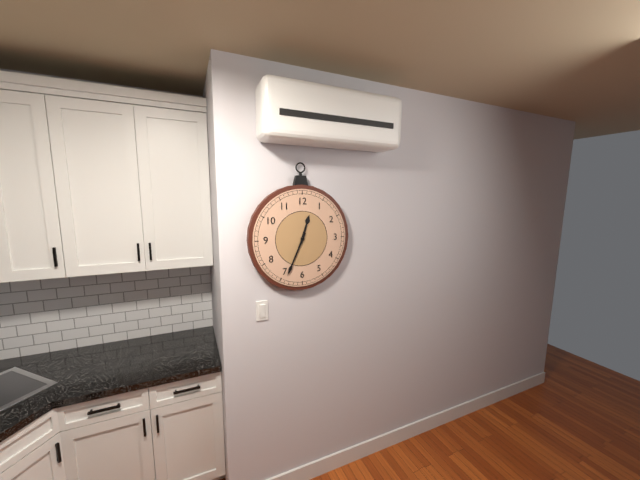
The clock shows **12:34**
